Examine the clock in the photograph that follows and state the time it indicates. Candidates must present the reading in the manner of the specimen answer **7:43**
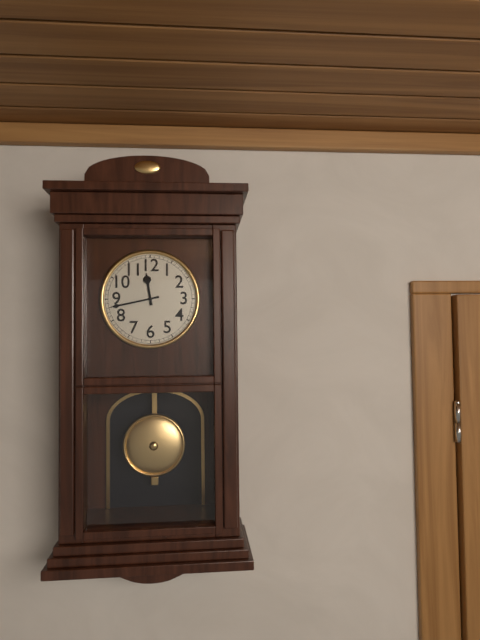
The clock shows **11:43**
